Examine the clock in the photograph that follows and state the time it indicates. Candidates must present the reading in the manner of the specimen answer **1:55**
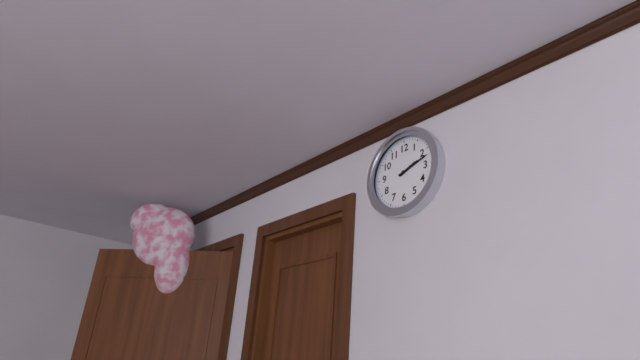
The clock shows **2:12**
